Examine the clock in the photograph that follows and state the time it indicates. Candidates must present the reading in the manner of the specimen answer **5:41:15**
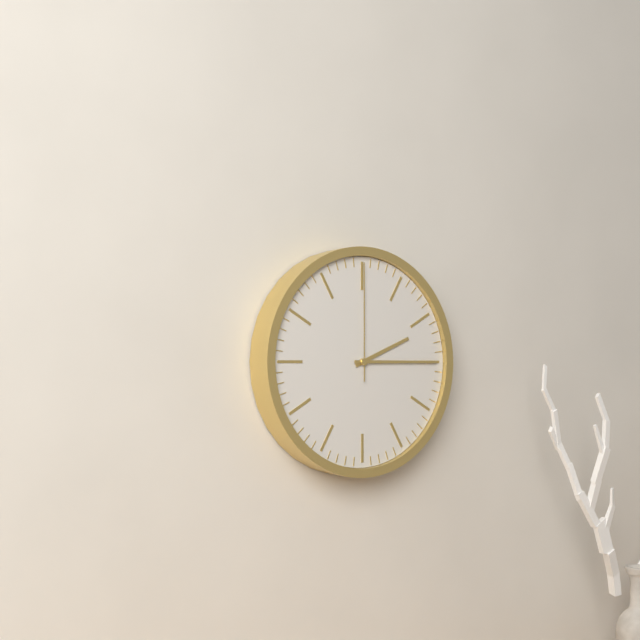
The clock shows **2:15:00**
